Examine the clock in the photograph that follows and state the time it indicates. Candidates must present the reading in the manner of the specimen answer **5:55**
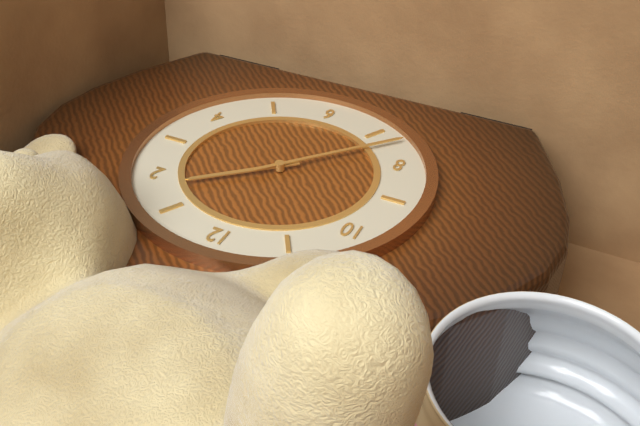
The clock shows **1:37**
